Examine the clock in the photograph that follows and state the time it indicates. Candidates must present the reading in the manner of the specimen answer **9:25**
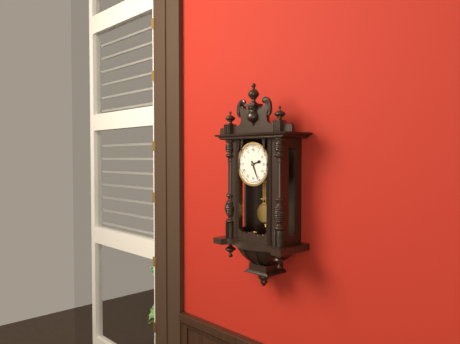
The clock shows **2:26**
